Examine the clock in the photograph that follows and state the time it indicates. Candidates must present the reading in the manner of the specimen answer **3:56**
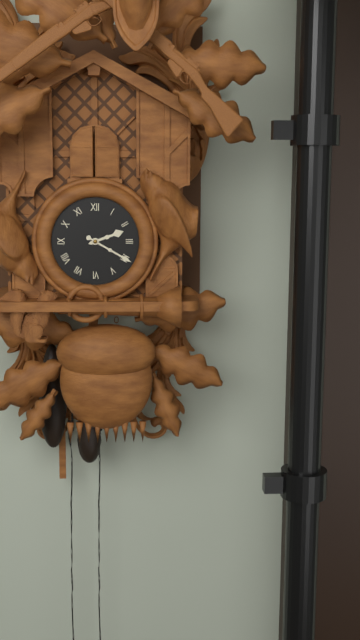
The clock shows **2:20**
